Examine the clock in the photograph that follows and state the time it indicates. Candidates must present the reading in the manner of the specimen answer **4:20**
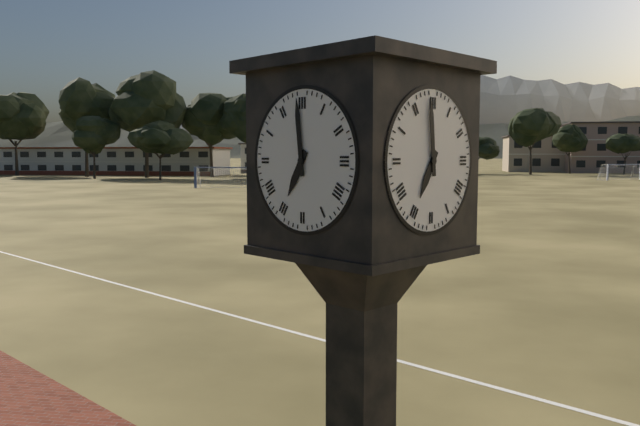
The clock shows **6:59**
